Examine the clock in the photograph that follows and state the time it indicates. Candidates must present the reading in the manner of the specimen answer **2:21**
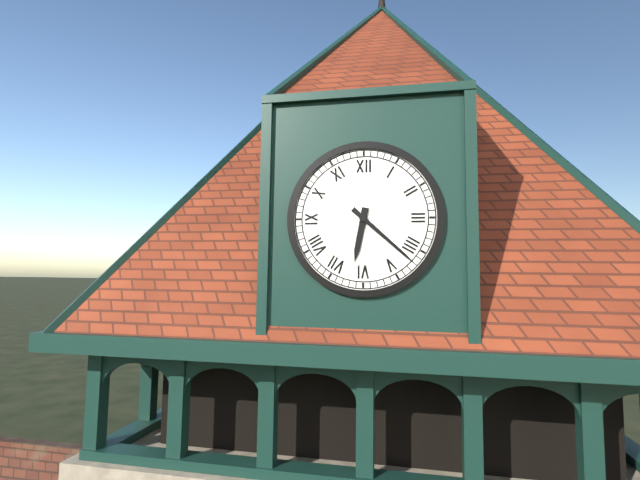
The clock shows **6:22**
